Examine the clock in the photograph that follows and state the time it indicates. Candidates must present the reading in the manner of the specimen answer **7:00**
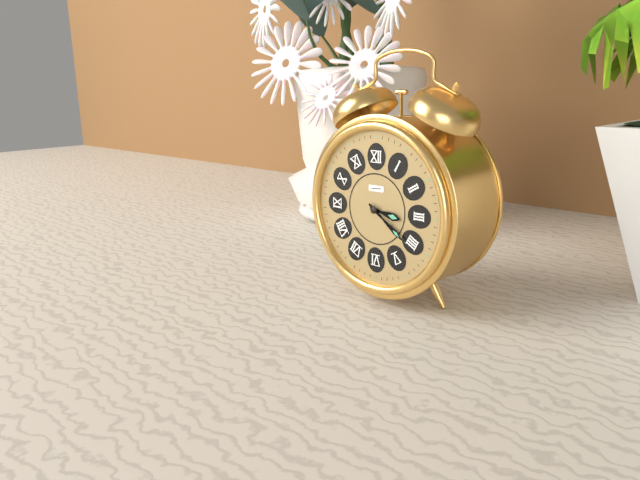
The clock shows **3:21**
